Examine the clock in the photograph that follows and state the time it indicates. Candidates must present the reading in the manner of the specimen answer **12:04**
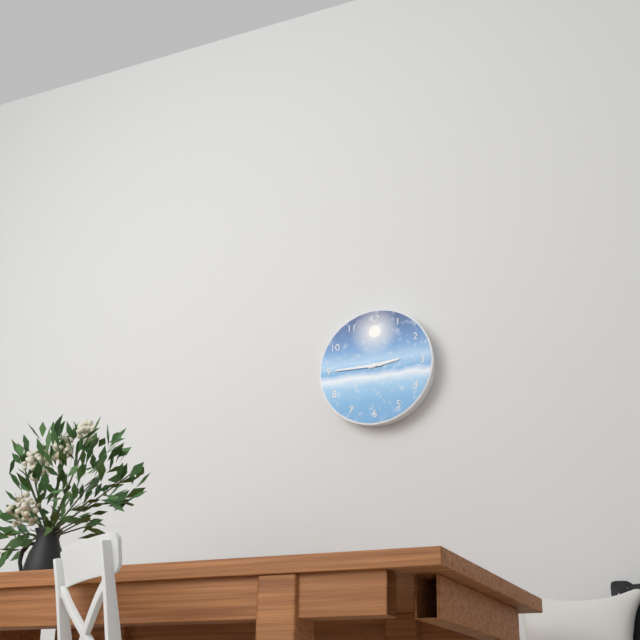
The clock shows **2:45**
